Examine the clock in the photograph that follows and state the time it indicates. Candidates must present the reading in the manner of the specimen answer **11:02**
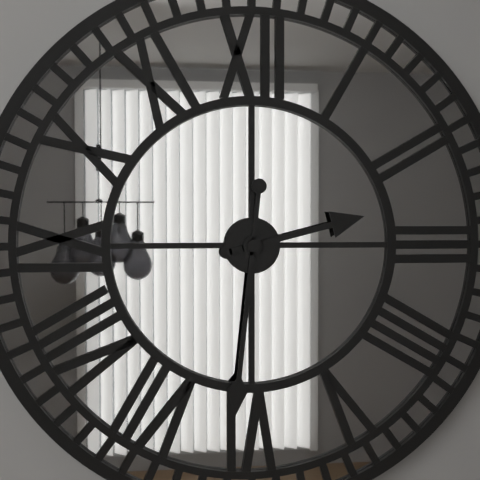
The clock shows **2:31**
